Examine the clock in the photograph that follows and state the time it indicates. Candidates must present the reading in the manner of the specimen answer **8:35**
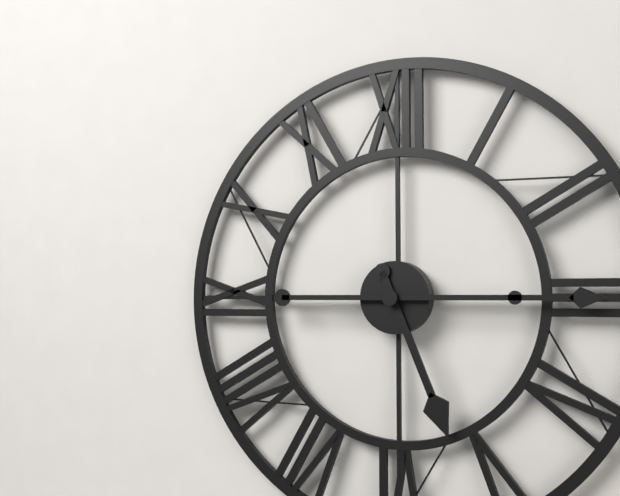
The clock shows **5:15**
